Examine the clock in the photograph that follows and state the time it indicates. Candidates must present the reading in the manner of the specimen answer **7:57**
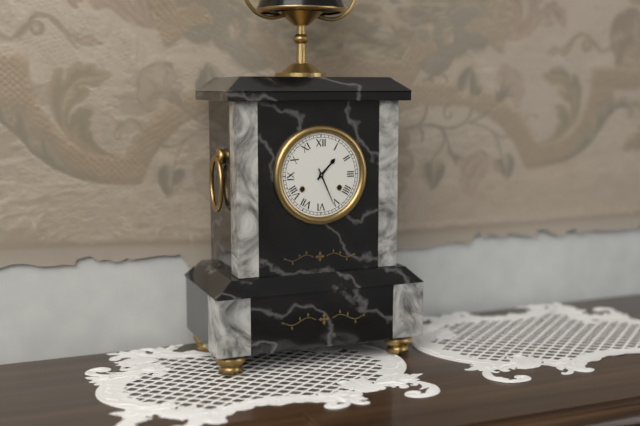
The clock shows **1:26**
